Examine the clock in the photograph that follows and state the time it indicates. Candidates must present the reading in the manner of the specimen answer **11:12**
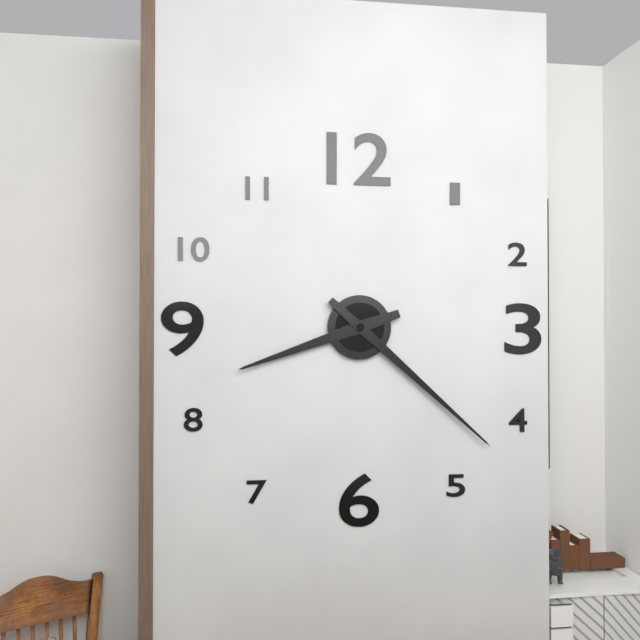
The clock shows **8:22**
